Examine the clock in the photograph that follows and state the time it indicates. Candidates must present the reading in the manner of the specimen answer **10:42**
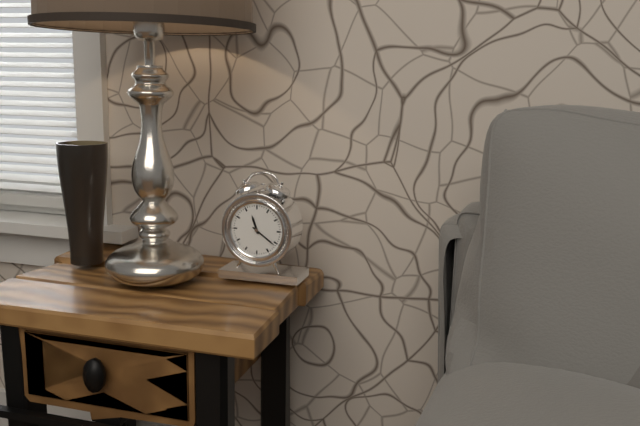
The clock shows **11:21**
